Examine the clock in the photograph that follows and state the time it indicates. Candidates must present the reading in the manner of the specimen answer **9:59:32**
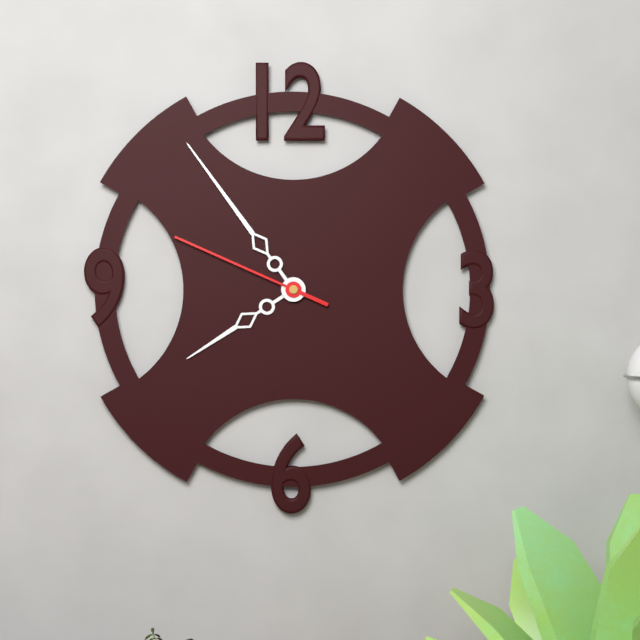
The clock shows **7:54:49**
